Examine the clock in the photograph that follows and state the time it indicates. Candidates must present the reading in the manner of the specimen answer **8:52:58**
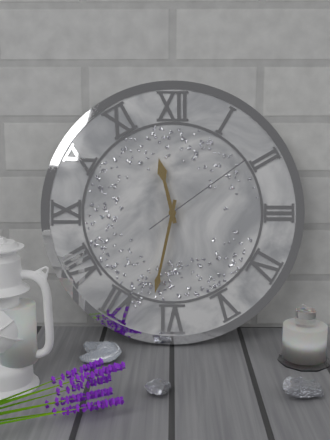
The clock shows **11:32:09**
